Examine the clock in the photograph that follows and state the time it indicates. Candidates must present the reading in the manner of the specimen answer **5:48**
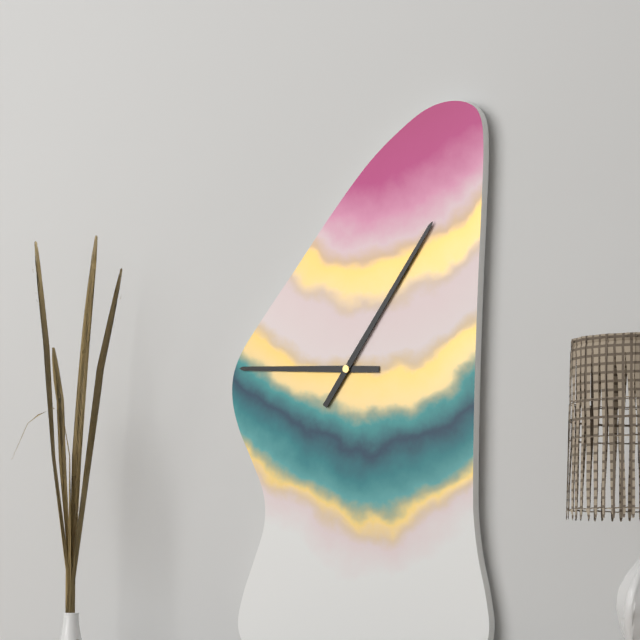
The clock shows **9:06**
